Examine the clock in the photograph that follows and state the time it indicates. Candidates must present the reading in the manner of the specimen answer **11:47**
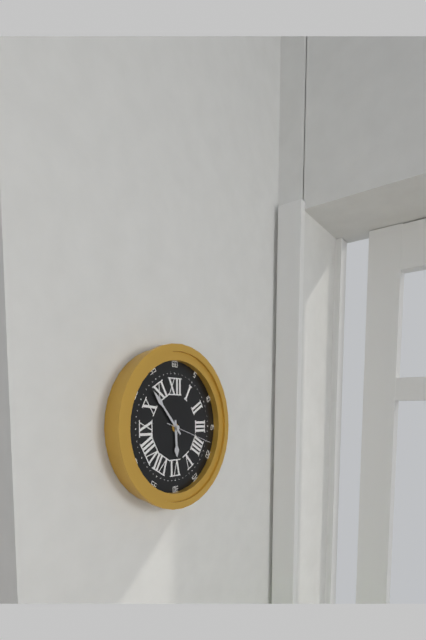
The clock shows **5:53**
